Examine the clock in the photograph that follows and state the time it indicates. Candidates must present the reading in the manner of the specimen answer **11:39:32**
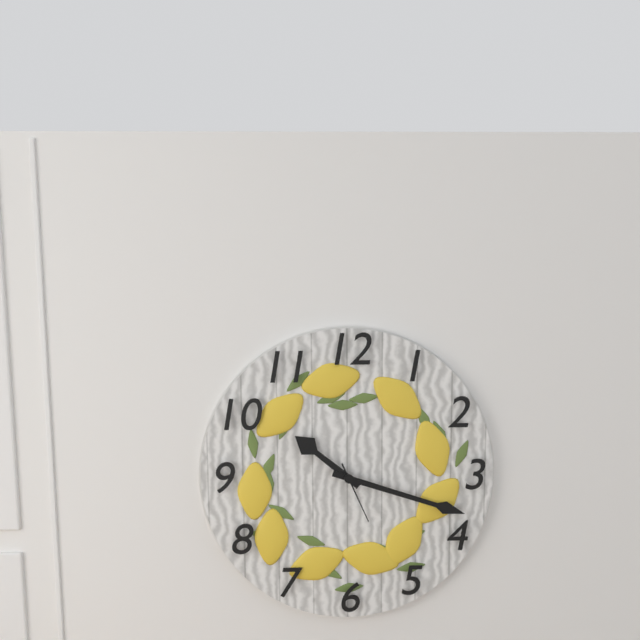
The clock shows **10:18:26**
